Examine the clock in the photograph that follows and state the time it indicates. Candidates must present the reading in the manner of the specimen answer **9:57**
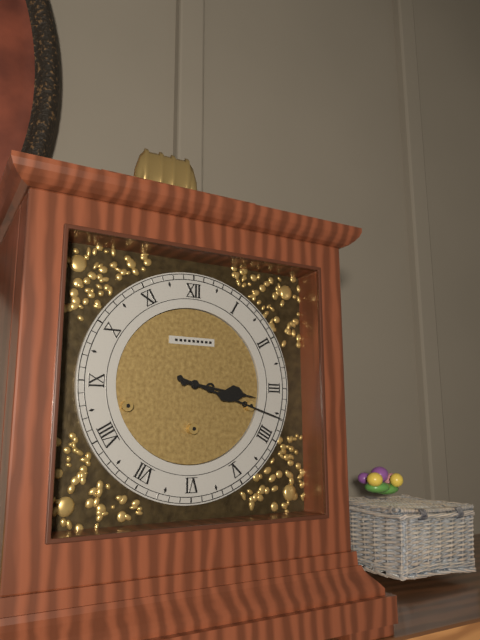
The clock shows **3:18**
